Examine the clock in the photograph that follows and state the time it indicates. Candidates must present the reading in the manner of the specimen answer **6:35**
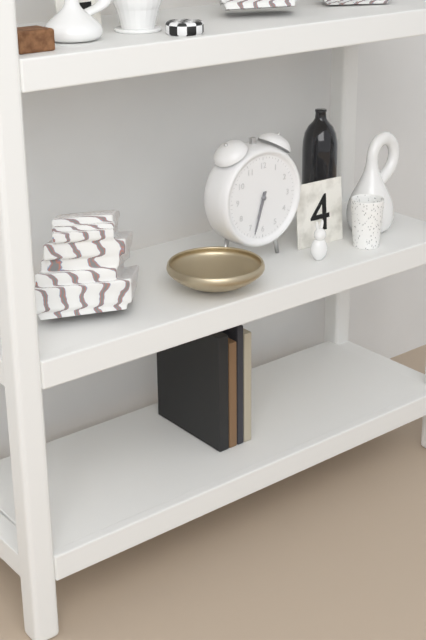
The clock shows **6:33**
